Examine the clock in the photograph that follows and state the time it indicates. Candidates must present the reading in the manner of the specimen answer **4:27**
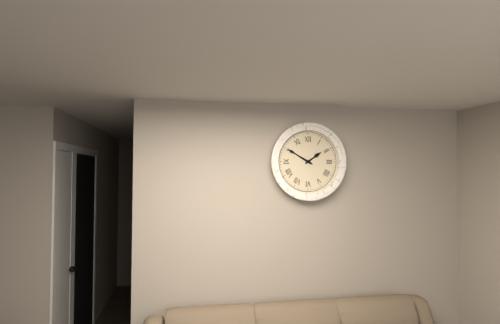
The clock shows **1:50**
